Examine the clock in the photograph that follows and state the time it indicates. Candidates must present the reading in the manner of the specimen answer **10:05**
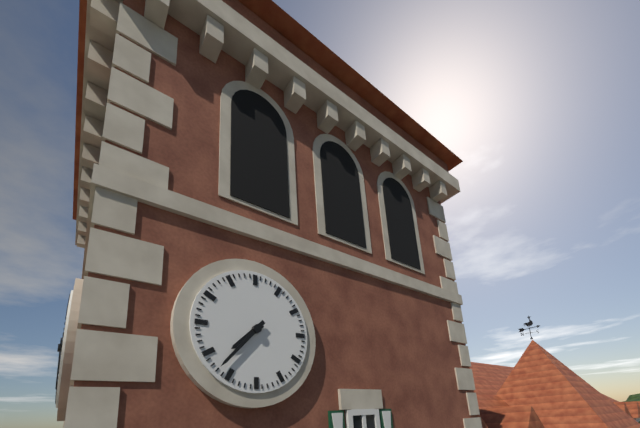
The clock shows **7:37**
